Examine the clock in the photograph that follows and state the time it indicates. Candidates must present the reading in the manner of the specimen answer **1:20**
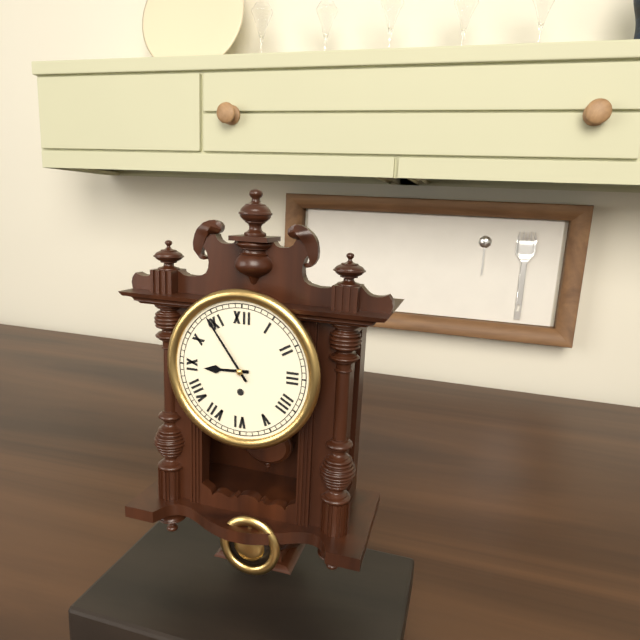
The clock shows **8:54**
